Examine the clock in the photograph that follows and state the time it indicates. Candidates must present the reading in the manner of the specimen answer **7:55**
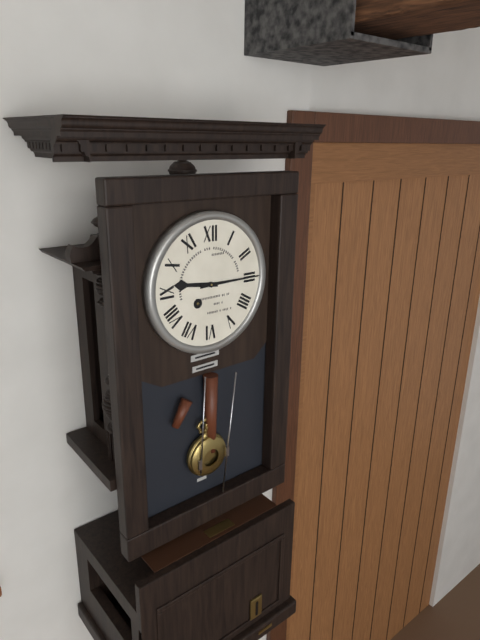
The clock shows **9:15**
